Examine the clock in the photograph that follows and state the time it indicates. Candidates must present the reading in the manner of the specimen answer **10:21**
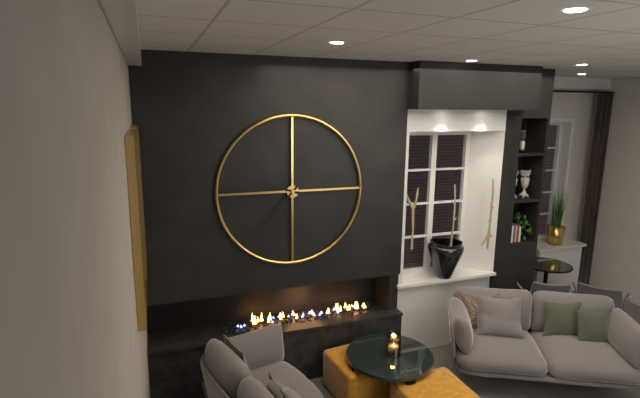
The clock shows **9:37**
